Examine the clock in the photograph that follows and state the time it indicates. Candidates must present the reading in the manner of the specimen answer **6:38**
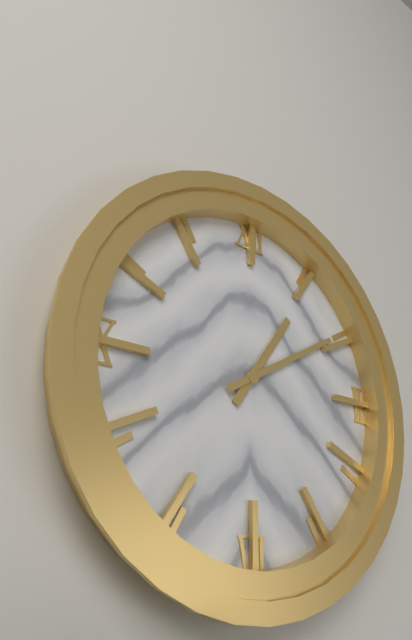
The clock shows **1:10**
